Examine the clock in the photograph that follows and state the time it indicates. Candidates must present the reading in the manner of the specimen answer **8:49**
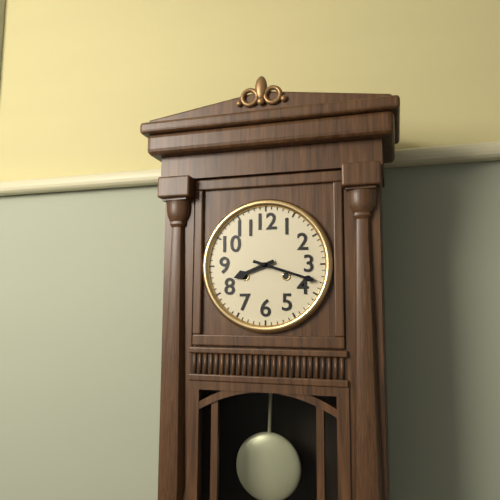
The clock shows **8:18**
